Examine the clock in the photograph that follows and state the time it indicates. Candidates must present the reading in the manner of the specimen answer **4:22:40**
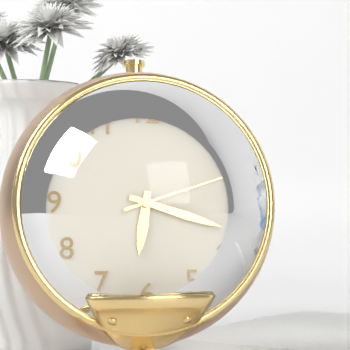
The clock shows **6:18:12**
